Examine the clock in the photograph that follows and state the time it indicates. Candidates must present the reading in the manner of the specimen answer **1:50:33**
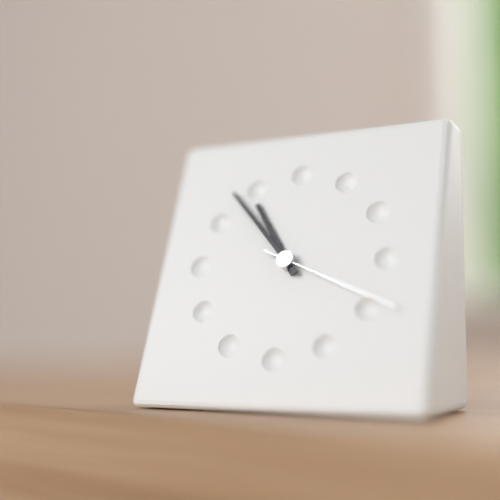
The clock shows **10:53:19**
